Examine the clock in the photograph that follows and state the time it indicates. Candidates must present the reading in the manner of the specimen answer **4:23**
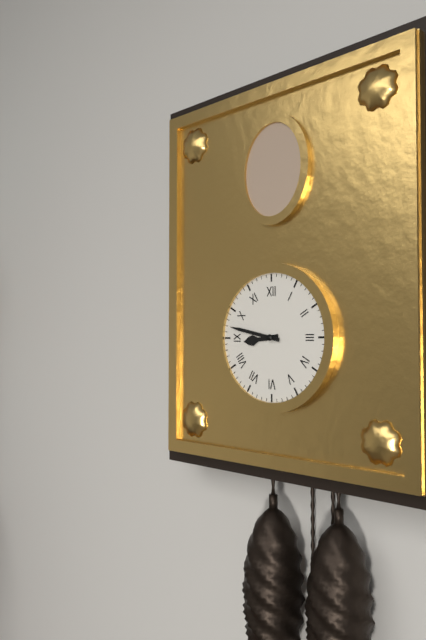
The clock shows **8:47**
